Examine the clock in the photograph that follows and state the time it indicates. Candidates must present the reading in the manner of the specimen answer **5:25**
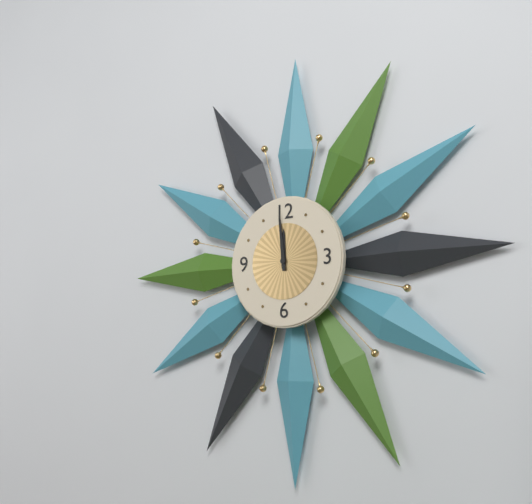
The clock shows **11:59**
